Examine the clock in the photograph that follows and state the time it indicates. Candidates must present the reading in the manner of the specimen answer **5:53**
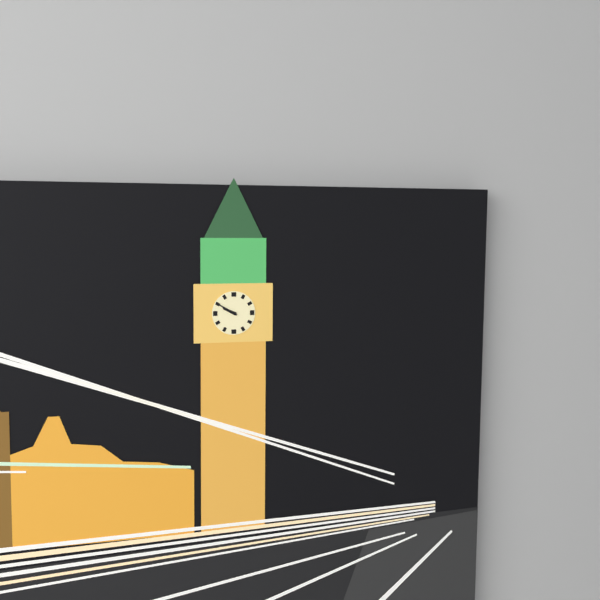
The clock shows **9:50**
